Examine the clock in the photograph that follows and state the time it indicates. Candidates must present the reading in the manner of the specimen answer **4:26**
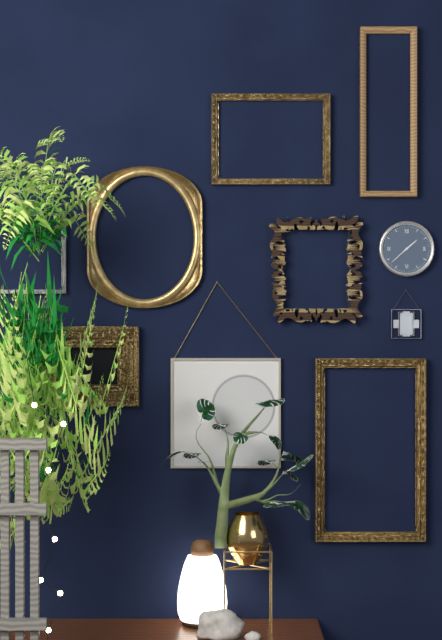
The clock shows **1:38**
